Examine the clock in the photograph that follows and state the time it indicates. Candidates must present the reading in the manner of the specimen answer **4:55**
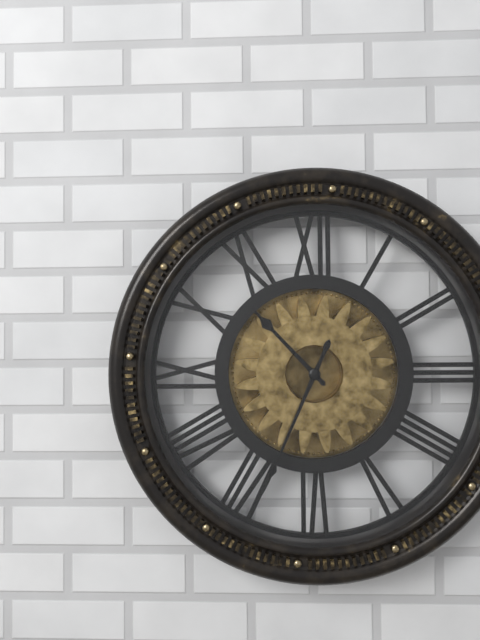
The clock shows **10:34**
